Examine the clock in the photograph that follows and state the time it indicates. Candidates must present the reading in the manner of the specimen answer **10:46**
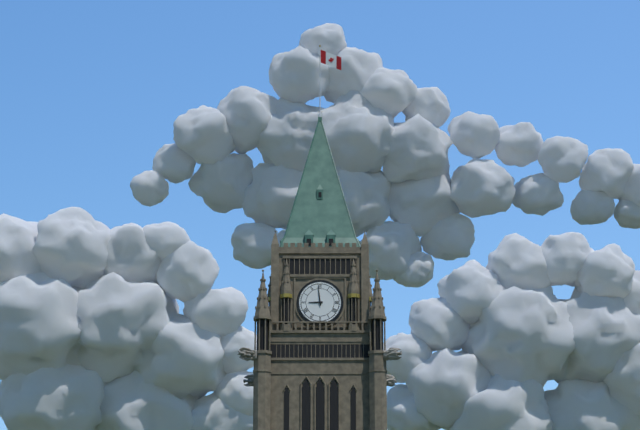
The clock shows **8:59**
